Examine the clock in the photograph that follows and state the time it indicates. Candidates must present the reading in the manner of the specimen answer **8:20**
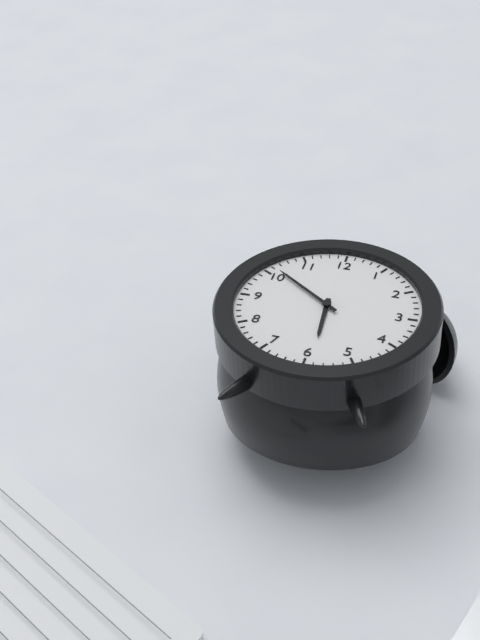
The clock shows **5:51**
